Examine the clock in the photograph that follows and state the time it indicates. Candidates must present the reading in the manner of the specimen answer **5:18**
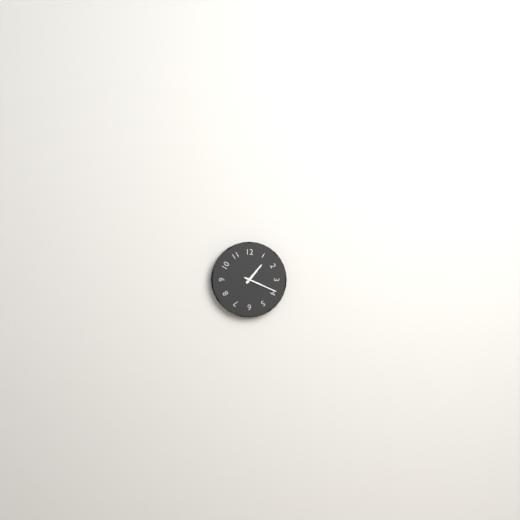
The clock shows **1:19**
